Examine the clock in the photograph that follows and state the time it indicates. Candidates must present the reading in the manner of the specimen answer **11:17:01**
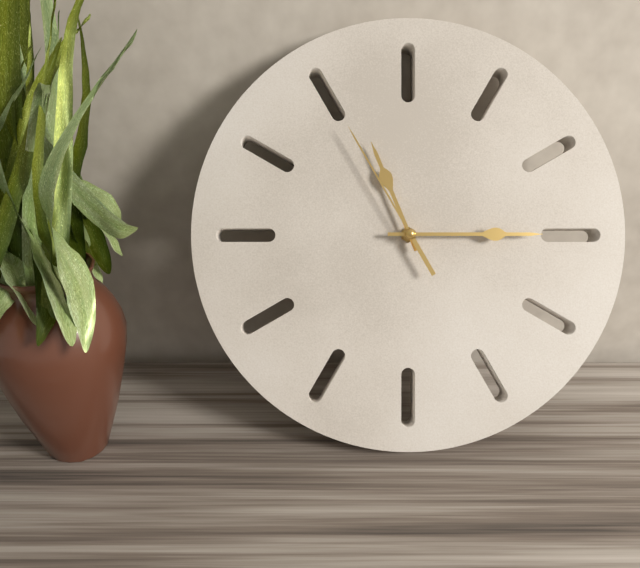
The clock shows **11:15:55**
